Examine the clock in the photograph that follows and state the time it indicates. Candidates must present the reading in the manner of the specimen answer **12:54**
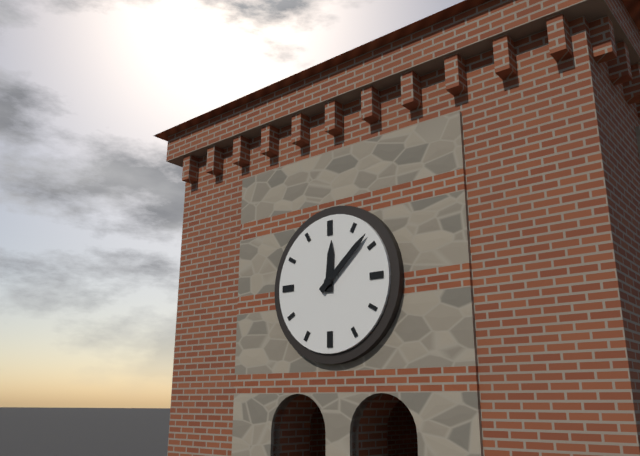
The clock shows **12:08**
